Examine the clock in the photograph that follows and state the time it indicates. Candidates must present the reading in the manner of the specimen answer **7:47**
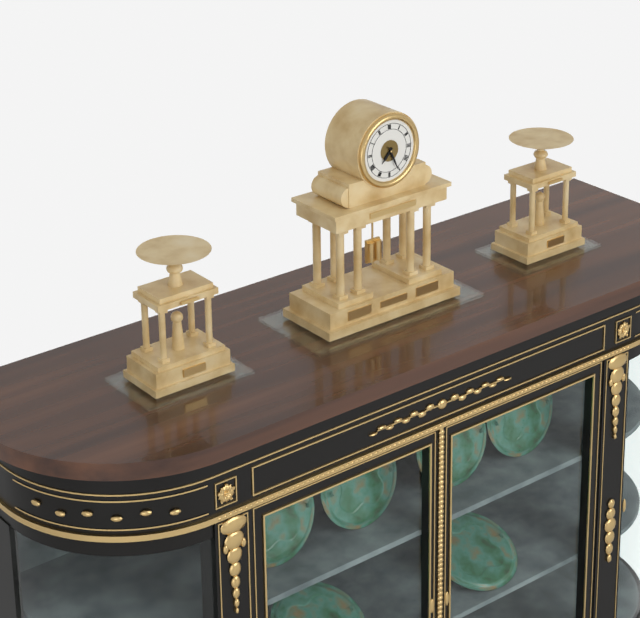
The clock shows **7:26**
